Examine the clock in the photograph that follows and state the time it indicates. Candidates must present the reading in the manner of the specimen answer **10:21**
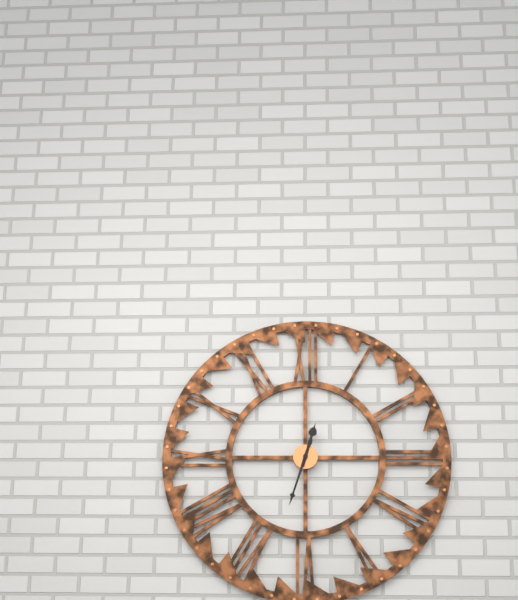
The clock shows **12:33**
